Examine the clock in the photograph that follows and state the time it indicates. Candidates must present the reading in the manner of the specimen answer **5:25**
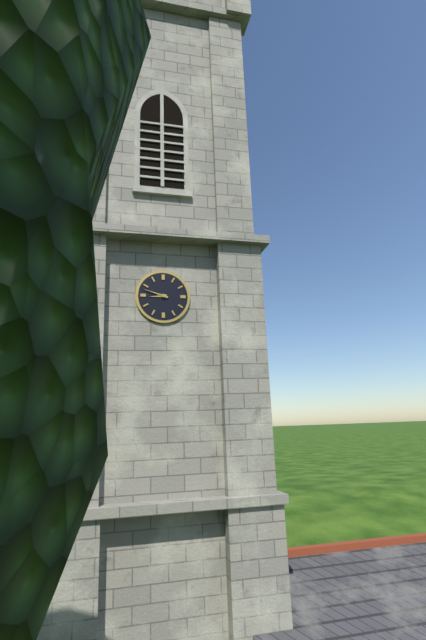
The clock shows **8:48**
